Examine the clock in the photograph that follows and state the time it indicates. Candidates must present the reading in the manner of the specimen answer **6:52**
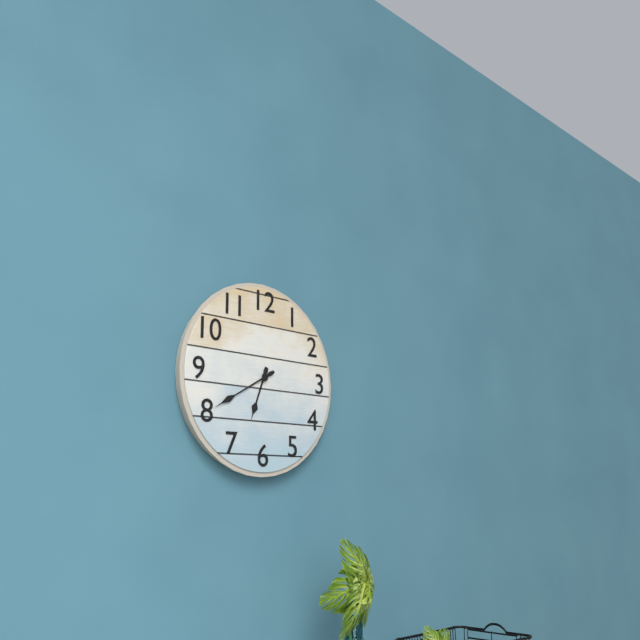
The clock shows **6:40**
